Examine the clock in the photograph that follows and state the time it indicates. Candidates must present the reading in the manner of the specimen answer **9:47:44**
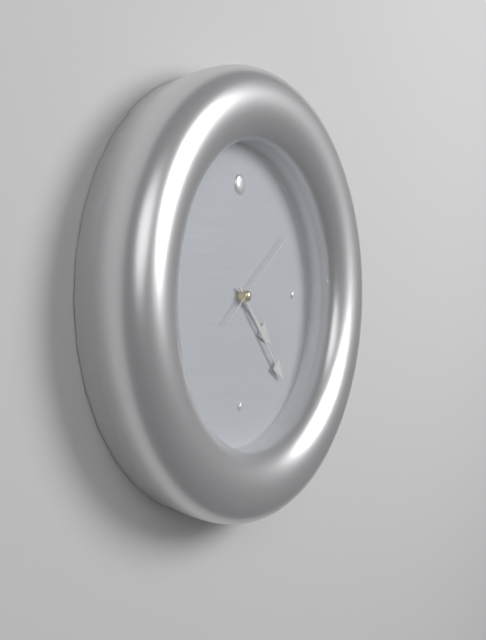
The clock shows **4:23:09**
